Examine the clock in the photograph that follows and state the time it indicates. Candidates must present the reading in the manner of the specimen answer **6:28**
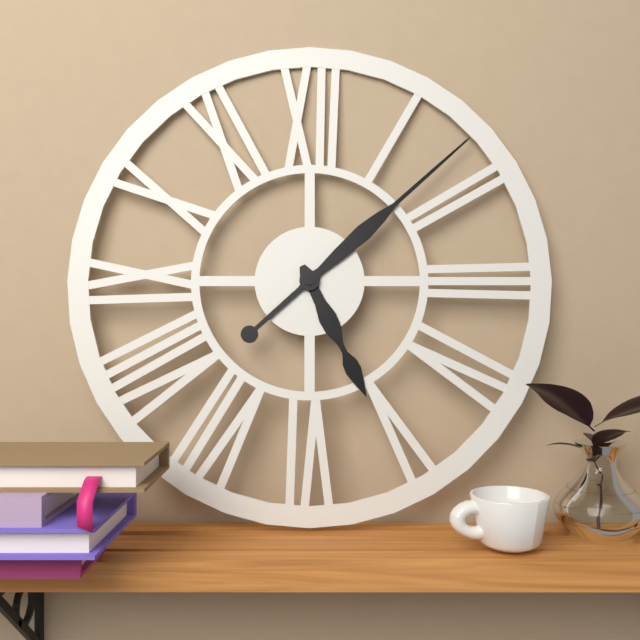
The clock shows **5:08**
